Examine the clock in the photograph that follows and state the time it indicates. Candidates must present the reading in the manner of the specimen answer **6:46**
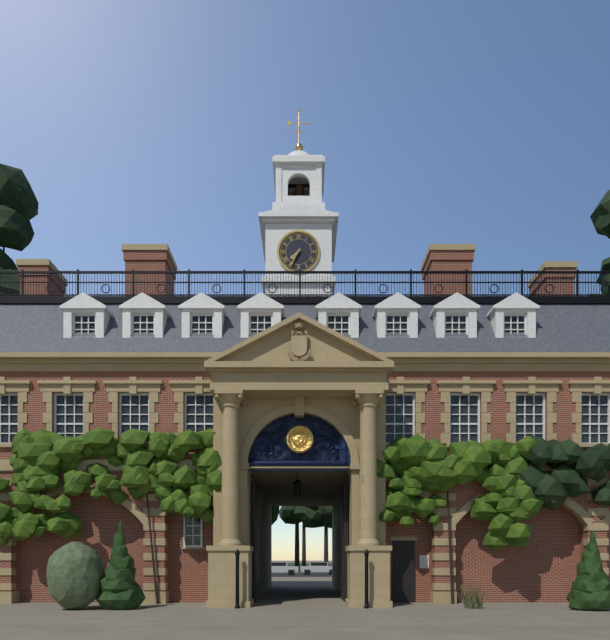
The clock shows **7:35**
